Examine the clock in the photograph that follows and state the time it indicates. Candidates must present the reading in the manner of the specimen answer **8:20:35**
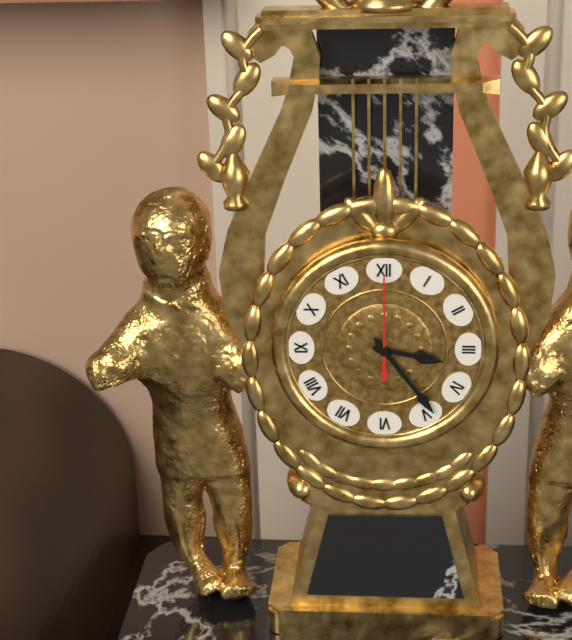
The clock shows **3:24:00**
